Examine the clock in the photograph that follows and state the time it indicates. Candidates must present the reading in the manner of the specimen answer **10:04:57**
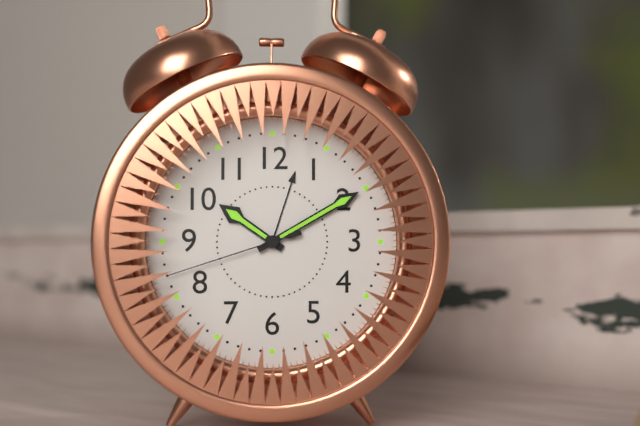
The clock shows **10:10:42**
